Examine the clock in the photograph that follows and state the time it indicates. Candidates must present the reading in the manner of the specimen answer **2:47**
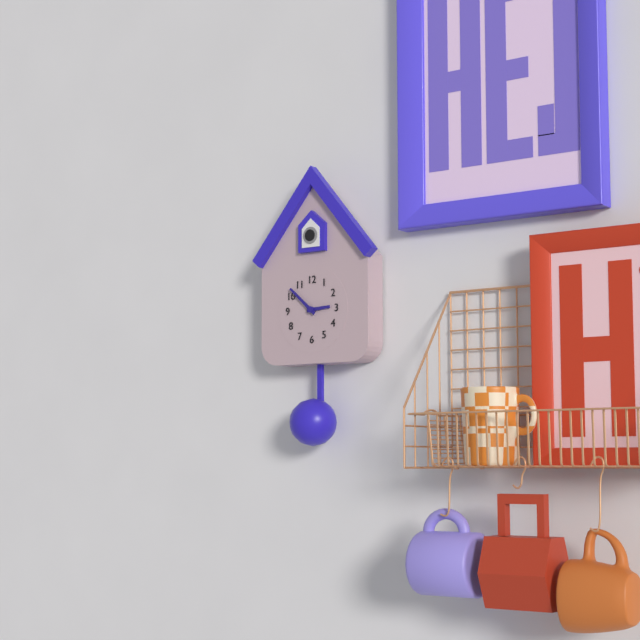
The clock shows **2:52**
